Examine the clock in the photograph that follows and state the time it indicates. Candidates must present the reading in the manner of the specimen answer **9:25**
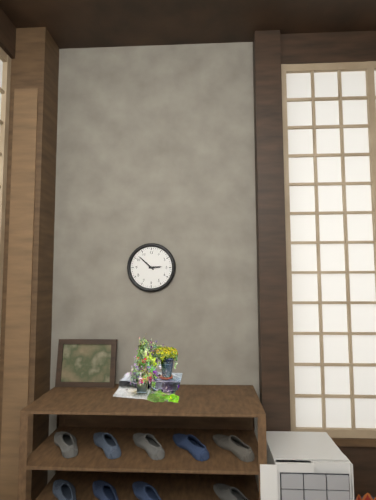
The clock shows **2:52**
